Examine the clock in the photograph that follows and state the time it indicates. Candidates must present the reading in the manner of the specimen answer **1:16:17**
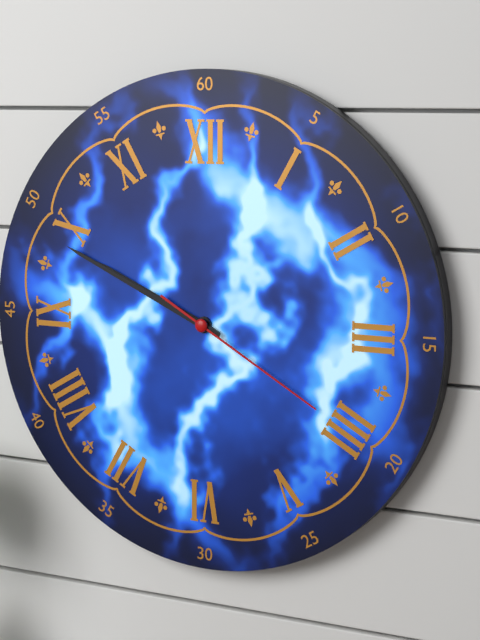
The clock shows **9:49:20**
